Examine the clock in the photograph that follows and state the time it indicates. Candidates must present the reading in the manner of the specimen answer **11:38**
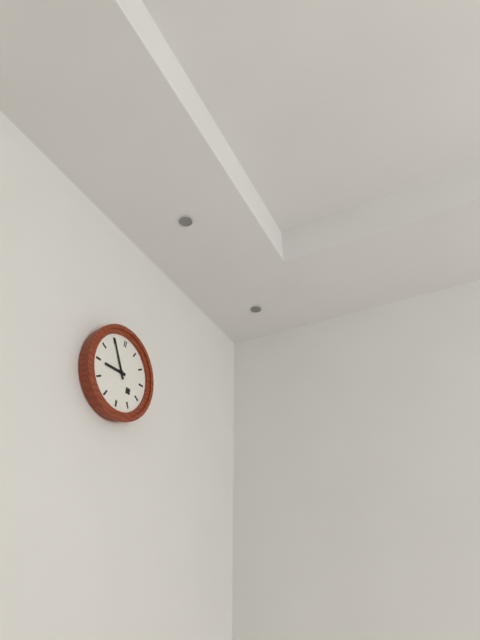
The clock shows **8:55**
